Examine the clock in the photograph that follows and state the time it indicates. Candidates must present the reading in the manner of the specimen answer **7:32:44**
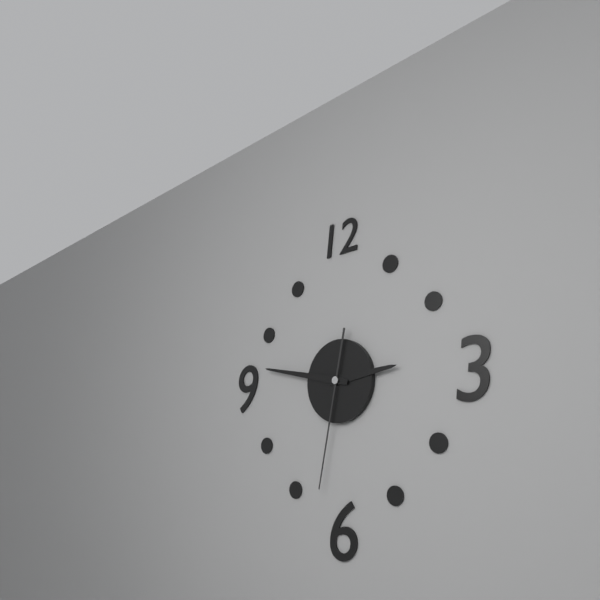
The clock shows **2:47:32**
